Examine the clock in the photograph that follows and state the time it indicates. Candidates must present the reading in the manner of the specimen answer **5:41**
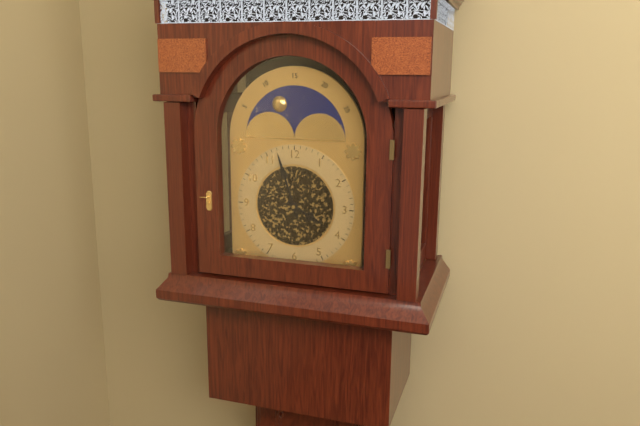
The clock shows **3:57**
